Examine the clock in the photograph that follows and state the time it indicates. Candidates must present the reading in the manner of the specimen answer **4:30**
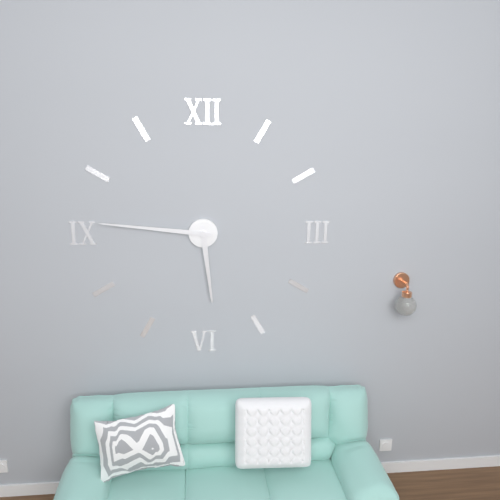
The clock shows **5:46**
